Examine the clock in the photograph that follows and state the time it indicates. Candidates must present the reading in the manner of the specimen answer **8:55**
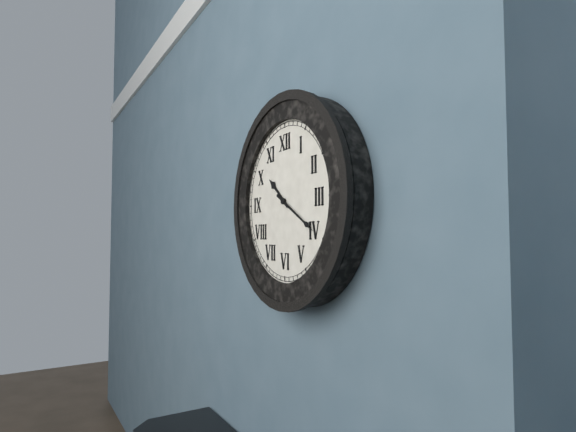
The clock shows **10:20**
